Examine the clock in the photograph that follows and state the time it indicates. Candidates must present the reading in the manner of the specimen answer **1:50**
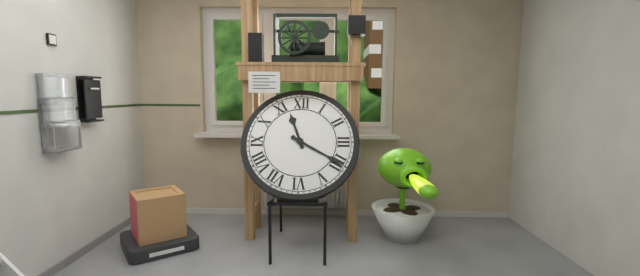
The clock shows **11:20**
